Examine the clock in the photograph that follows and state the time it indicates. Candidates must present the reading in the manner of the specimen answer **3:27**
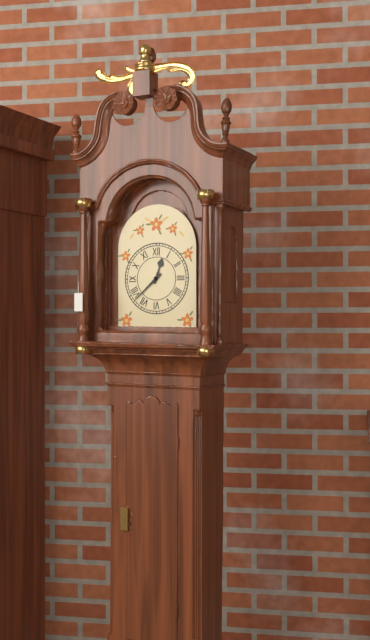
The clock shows **12:38**
